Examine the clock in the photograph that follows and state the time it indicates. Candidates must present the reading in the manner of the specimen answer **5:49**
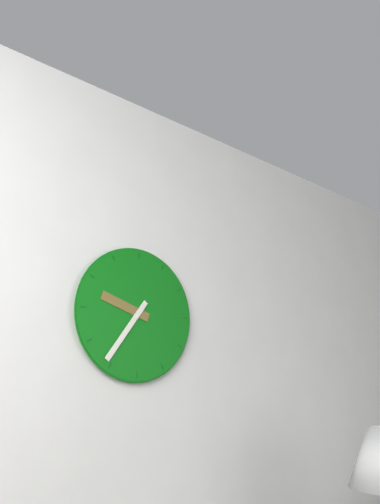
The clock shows **9:36**
